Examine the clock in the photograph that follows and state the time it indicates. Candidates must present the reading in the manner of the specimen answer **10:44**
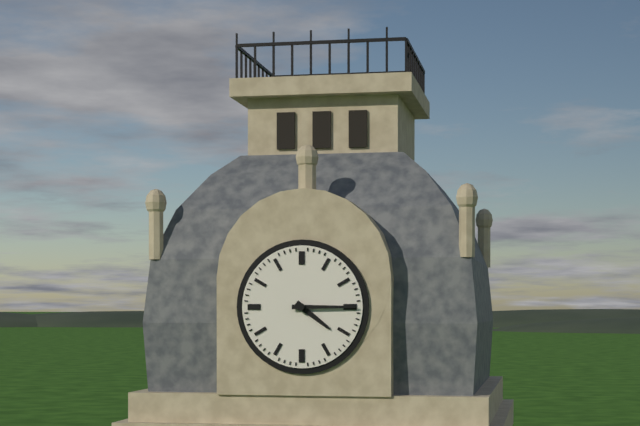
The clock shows **4:15**
